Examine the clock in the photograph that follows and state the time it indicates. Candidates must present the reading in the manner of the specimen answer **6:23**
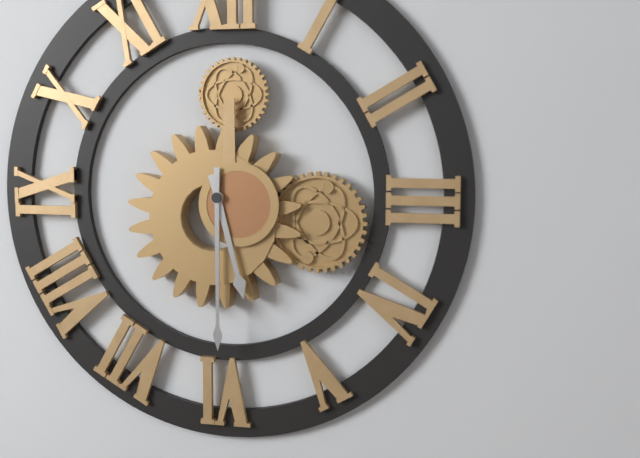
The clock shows **5:30**
